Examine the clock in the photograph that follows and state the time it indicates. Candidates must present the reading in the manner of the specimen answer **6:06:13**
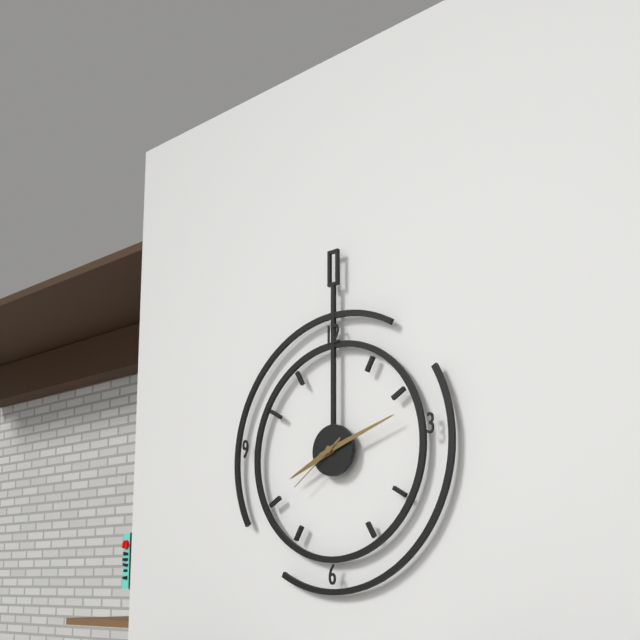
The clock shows **8:12:39**
